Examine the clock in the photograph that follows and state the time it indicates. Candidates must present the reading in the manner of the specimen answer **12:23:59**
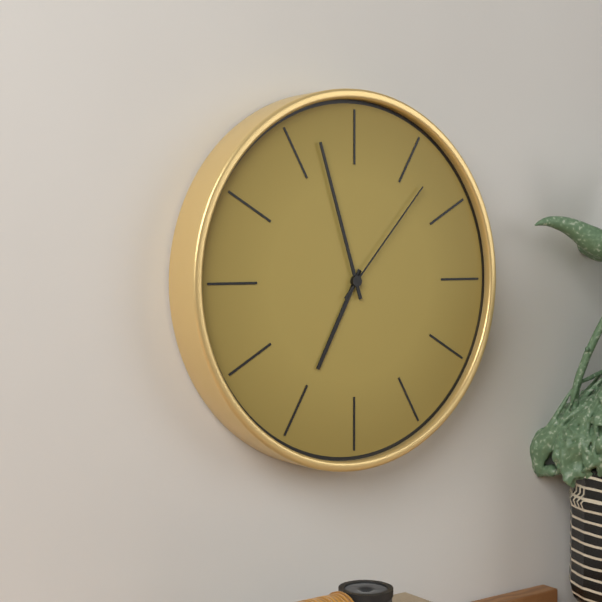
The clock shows **6:57:07**
